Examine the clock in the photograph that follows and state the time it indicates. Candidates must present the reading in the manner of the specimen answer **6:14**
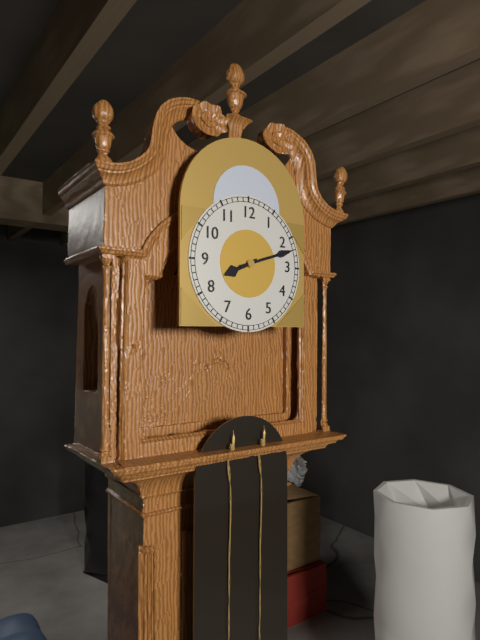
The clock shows **8:12**
